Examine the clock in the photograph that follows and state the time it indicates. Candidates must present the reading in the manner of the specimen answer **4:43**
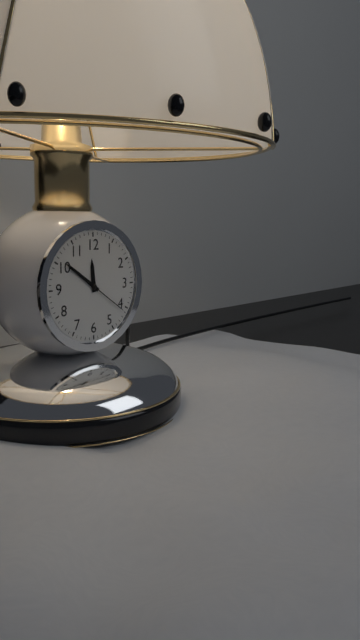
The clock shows **11:51**
